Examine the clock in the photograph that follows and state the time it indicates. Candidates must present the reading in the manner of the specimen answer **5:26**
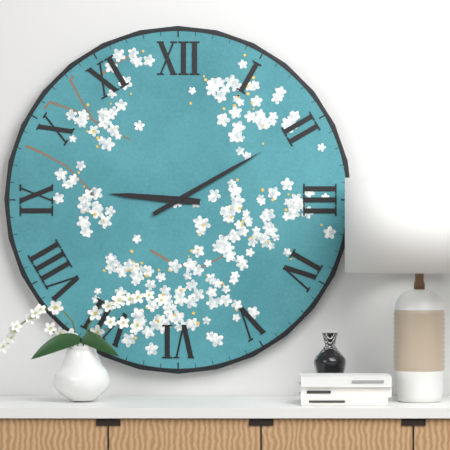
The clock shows **9:10**
